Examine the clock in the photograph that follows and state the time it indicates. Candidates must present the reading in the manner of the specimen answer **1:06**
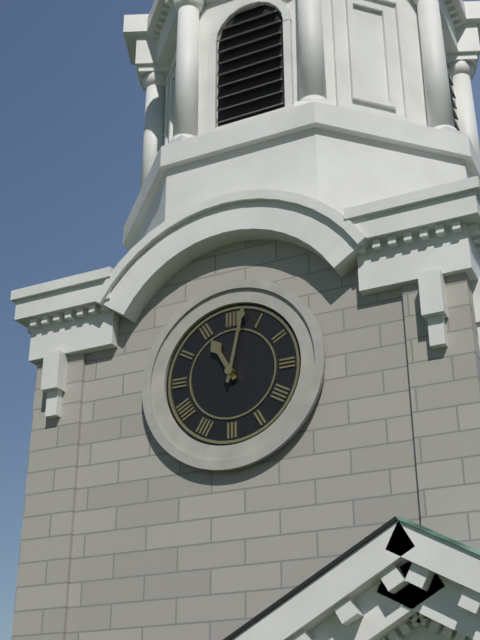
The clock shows **11:02**
